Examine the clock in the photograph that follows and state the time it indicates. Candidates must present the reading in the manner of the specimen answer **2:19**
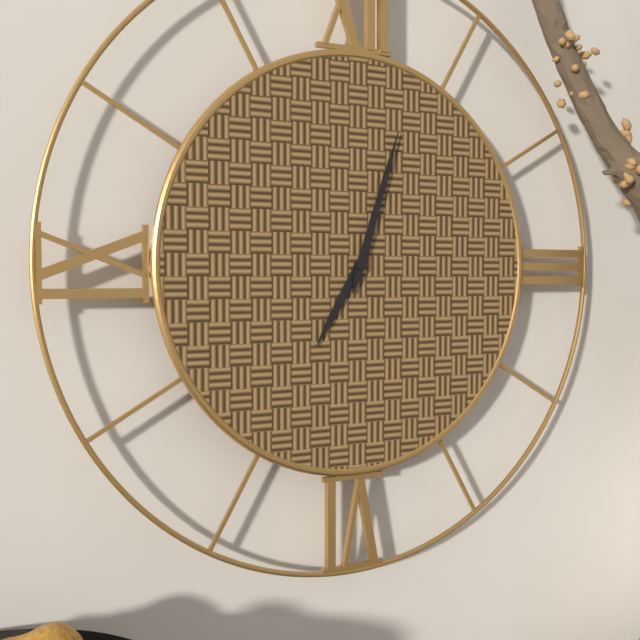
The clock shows **7:03**
